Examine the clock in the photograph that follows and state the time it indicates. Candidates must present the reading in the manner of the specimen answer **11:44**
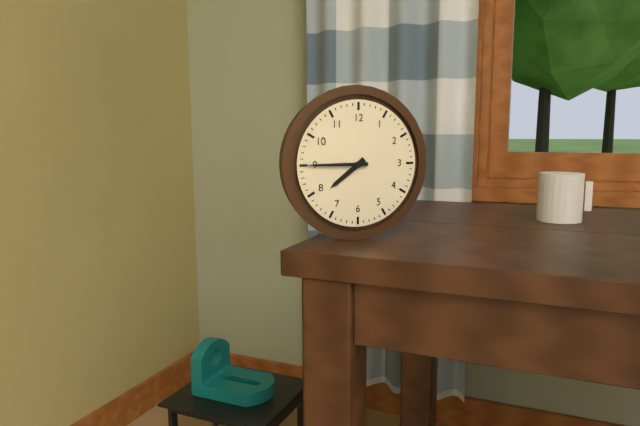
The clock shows **7:45**
